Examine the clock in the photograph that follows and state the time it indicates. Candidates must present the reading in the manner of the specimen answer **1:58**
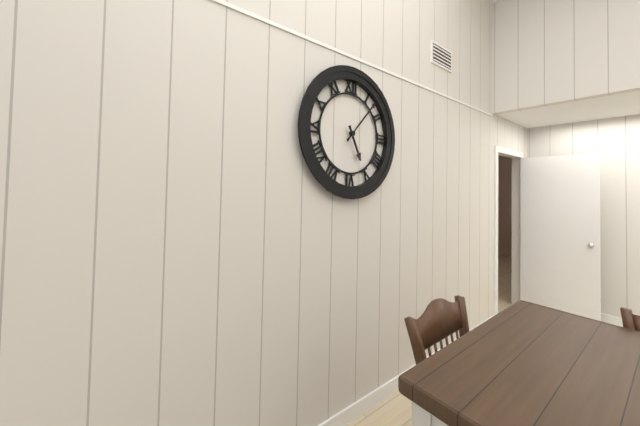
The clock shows **5:07**
